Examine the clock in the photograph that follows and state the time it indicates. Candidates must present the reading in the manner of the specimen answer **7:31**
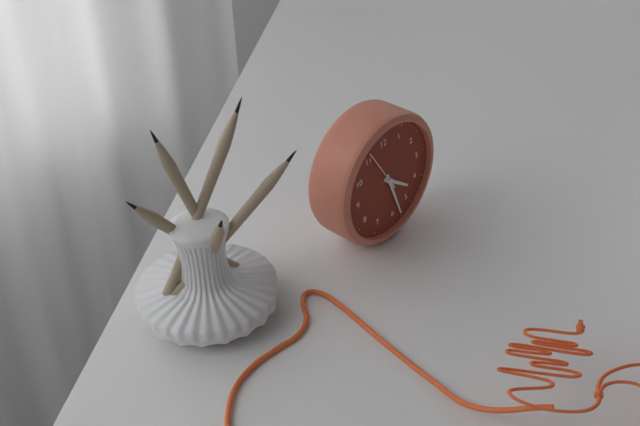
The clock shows **4:28**
